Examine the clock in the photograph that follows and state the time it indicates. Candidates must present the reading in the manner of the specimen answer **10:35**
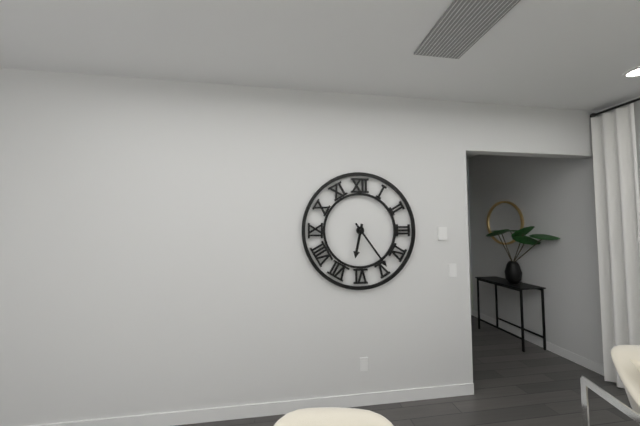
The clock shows **6:24**
